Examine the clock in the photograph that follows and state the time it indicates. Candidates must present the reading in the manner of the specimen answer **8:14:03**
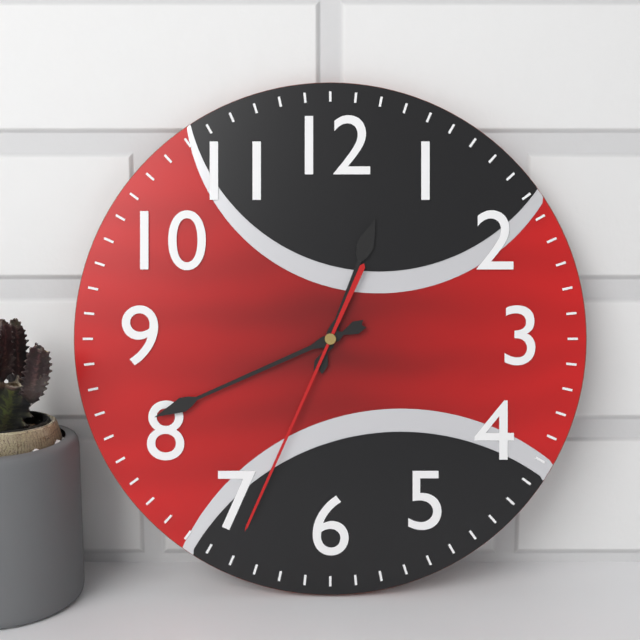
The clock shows **12:41:34**
